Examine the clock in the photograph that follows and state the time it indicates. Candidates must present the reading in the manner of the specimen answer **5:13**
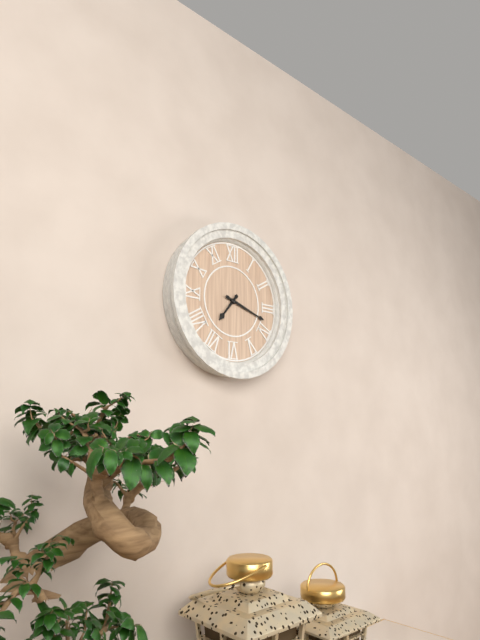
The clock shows **7:18**
